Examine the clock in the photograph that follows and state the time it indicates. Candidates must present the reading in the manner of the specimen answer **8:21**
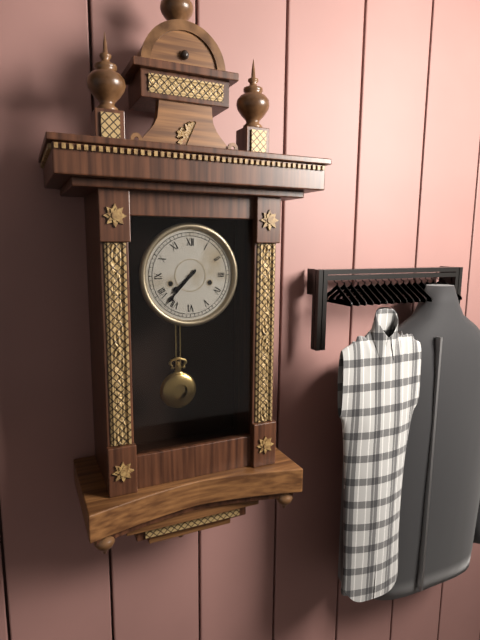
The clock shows **7:37**
